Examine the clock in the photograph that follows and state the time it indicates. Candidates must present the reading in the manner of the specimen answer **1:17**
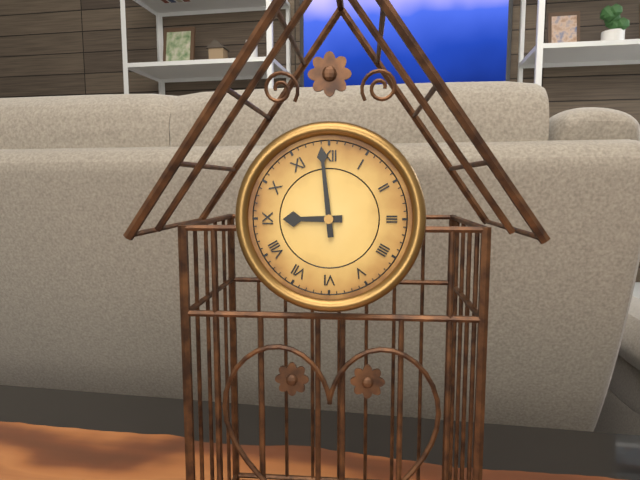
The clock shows **8:59**
